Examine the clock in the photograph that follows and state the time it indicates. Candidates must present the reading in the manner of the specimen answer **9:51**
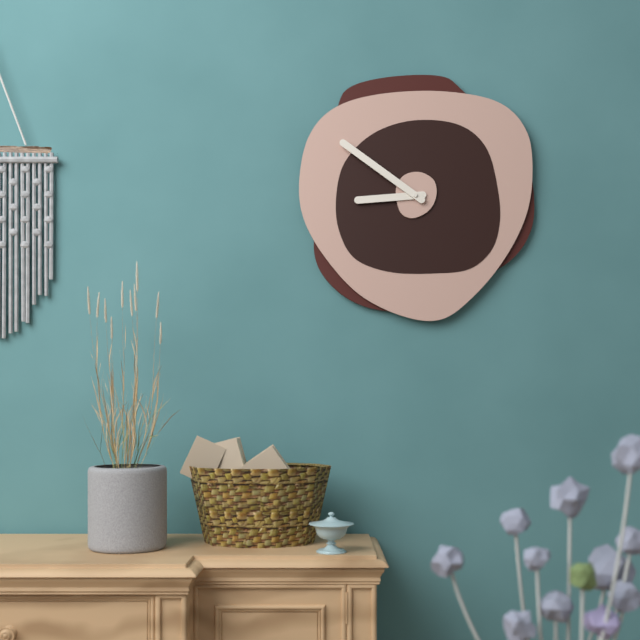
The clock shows **8:51**
